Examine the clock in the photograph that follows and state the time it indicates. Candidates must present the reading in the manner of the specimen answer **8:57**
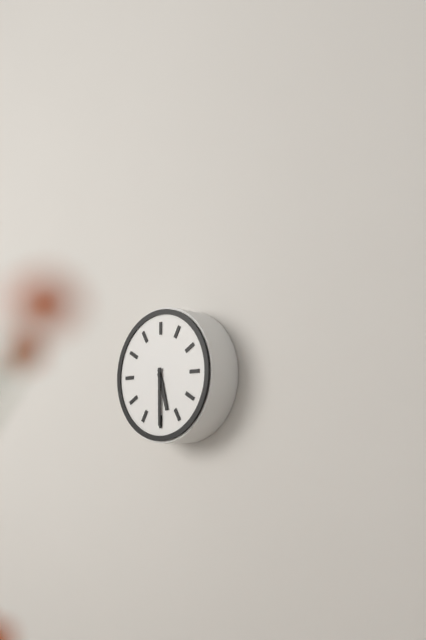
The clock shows **5:30**
